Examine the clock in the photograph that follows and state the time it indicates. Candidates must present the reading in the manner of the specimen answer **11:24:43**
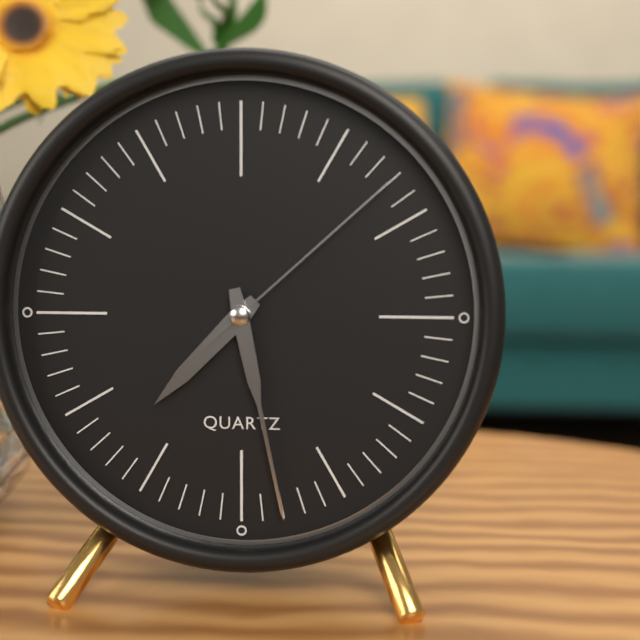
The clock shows **7:28:08**
